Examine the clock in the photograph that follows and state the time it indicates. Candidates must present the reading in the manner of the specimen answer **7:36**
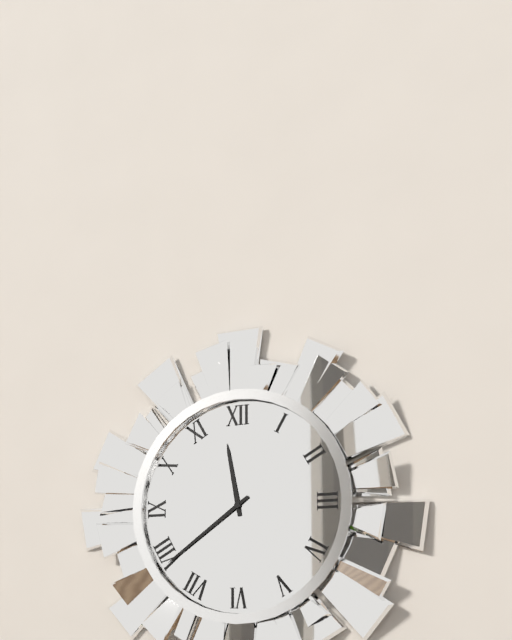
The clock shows **11:39**
